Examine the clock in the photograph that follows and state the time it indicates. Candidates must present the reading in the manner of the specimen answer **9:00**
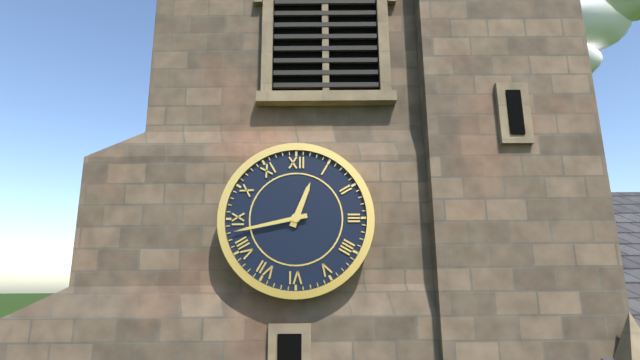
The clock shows **12:43**
